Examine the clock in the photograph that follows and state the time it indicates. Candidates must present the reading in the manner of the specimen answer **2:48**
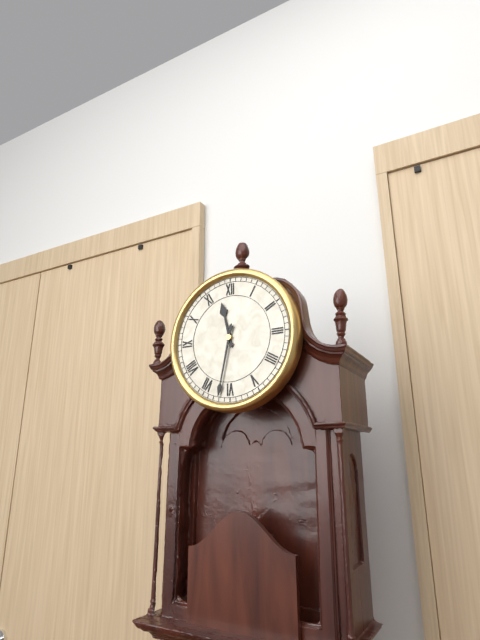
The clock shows **11:32**
